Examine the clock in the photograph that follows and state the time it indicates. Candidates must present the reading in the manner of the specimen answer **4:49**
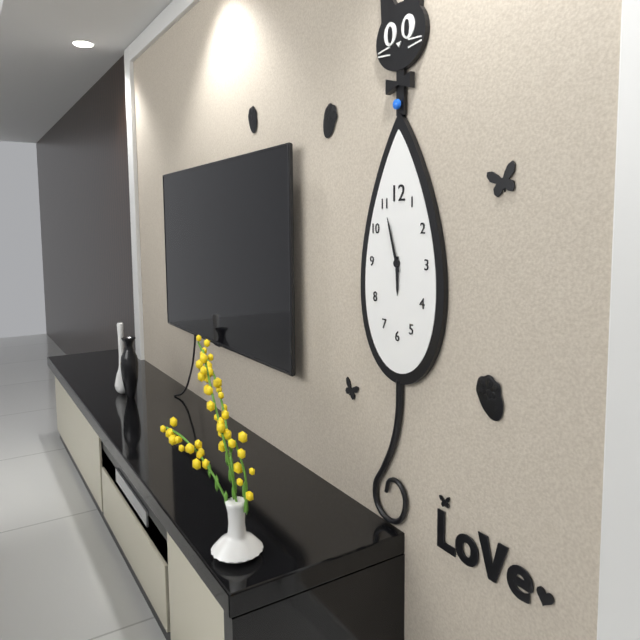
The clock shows **5:57**
